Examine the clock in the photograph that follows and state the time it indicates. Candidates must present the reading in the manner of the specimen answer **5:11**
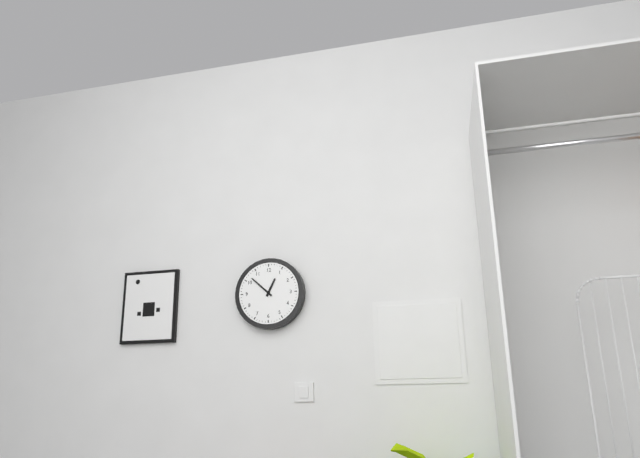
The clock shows **12:52**
